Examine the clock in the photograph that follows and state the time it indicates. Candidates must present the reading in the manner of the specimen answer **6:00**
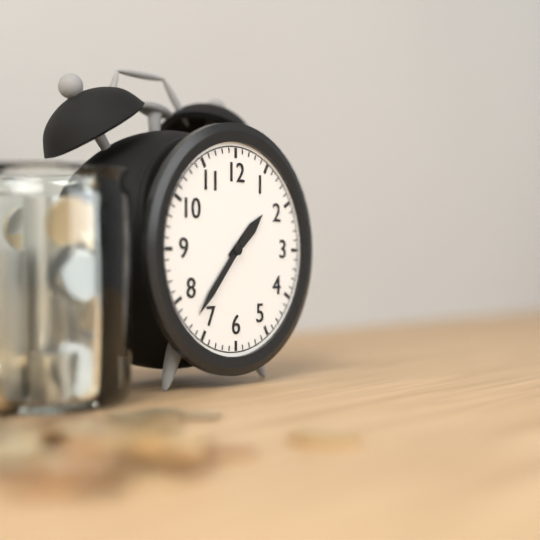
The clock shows **1:37**
